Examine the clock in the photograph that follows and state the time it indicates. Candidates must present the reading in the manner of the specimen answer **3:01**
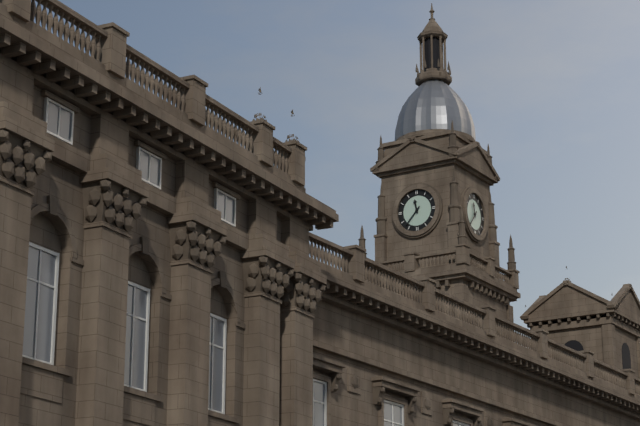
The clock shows **11:37**
